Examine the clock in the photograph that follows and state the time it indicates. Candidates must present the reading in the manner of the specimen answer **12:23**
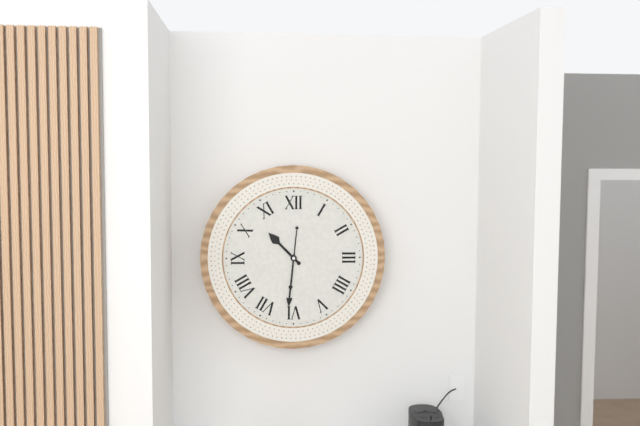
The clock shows **10:31**
